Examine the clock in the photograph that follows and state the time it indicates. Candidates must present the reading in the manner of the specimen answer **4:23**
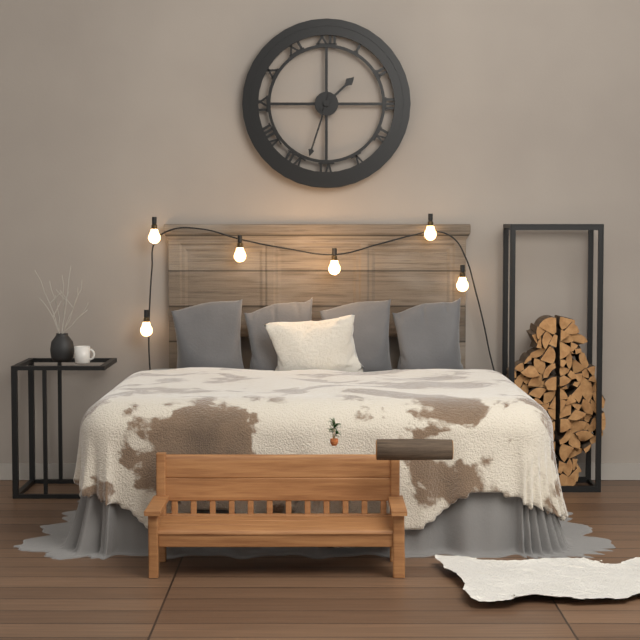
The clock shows **1:33**
